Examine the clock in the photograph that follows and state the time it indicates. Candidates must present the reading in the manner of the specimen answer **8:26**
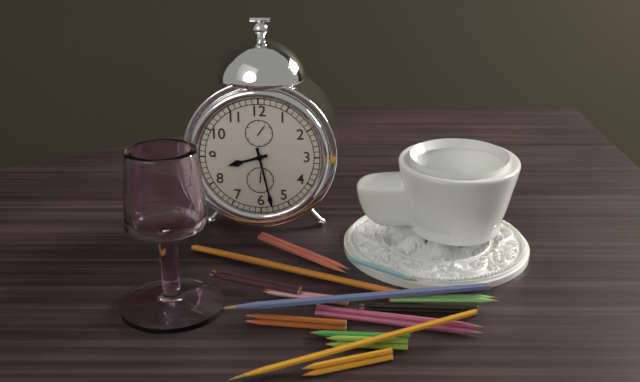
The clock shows **8:28**
